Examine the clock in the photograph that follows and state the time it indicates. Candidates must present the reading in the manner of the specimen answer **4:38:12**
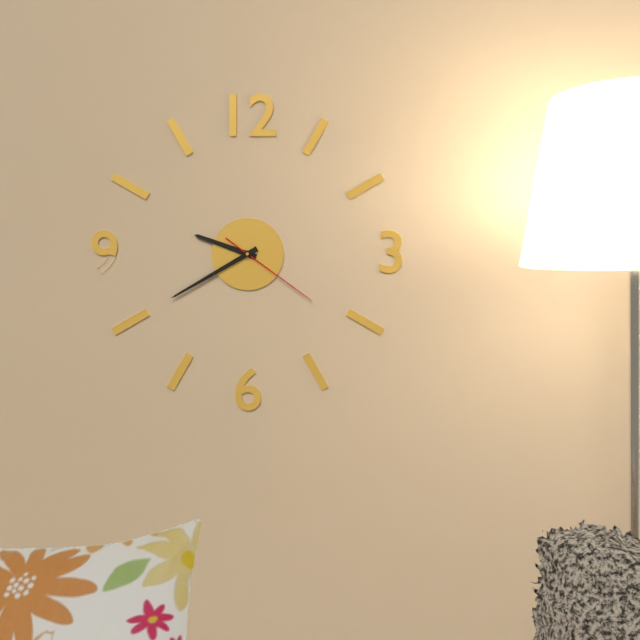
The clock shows **9:40:21**
